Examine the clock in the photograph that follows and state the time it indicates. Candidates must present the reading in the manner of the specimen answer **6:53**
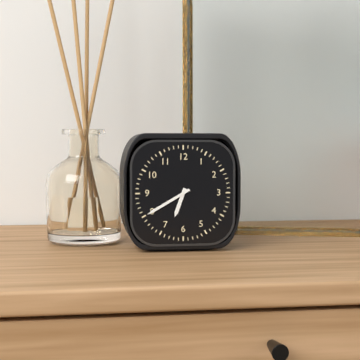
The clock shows **6:40**
